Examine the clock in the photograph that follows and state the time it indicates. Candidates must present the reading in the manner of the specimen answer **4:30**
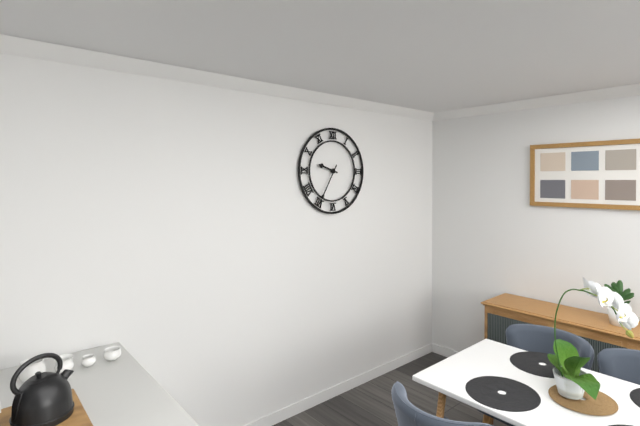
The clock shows **9:35**
